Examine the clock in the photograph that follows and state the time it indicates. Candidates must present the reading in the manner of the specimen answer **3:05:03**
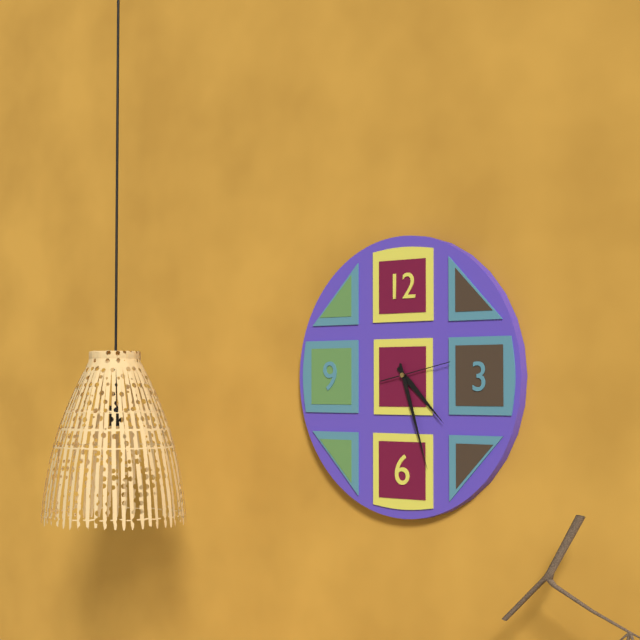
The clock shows **4:27:13**
